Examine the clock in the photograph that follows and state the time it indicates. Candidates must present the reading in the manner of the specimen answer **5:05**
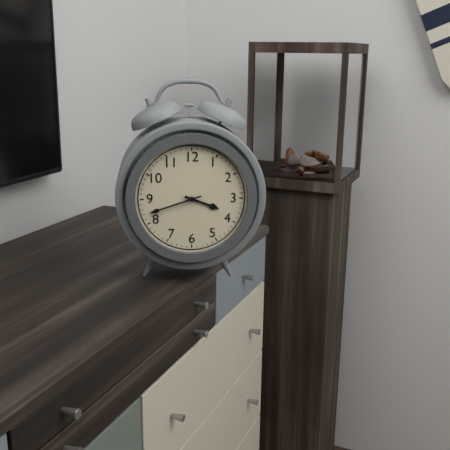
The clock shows **3:42**
